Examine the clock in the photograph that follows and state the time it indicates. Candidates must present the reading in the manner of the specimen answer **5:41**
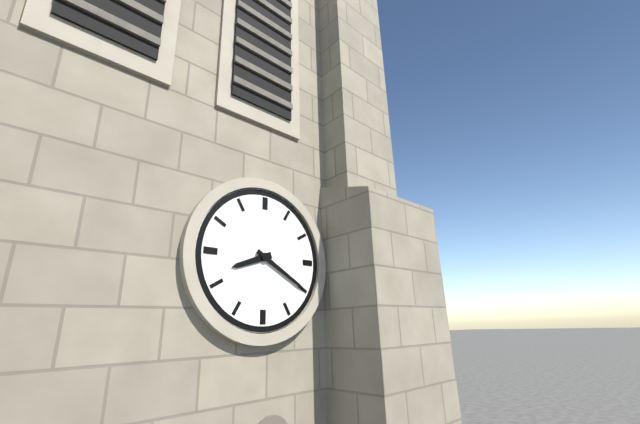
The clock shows **8:20**
